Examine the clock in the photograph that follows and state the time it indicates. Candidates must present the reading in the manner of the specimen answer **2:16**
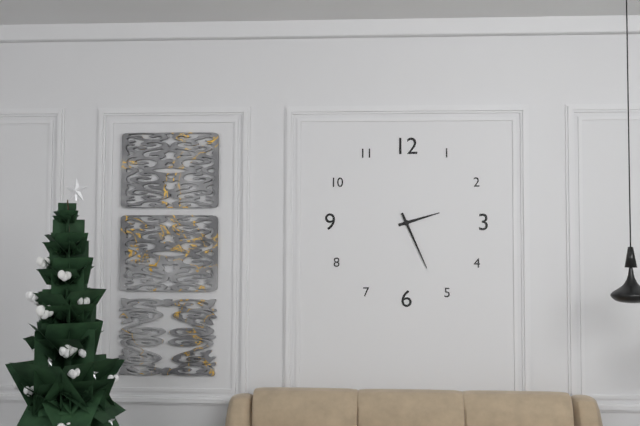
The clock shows **2:26**
